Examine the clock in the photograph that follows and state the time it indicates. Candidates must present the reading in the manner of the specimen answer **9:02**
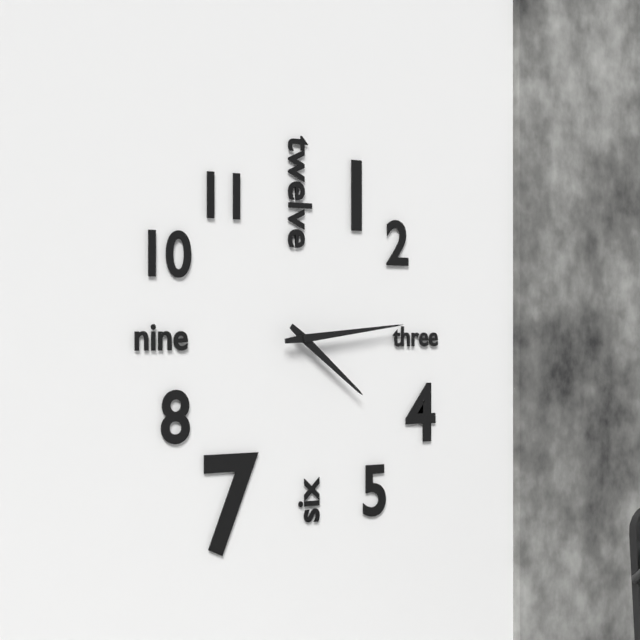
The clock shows **4:14**
